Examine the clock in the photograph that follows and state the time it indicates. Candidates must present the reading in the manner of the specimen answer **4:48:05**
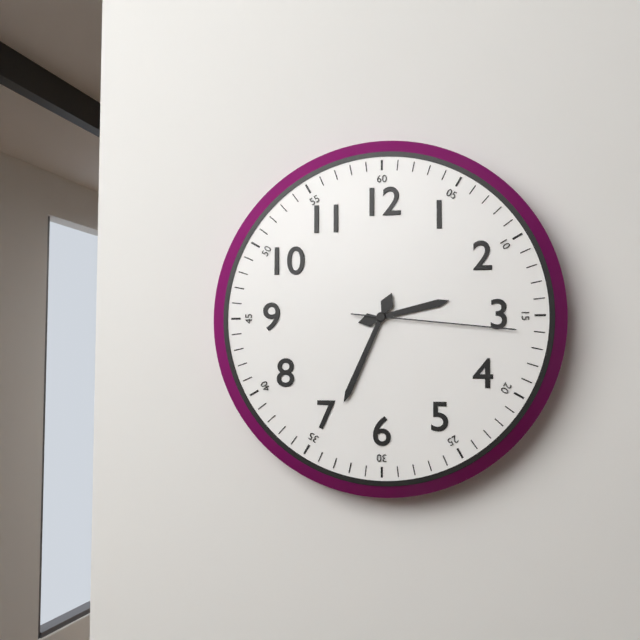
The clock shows **2:34:16**
